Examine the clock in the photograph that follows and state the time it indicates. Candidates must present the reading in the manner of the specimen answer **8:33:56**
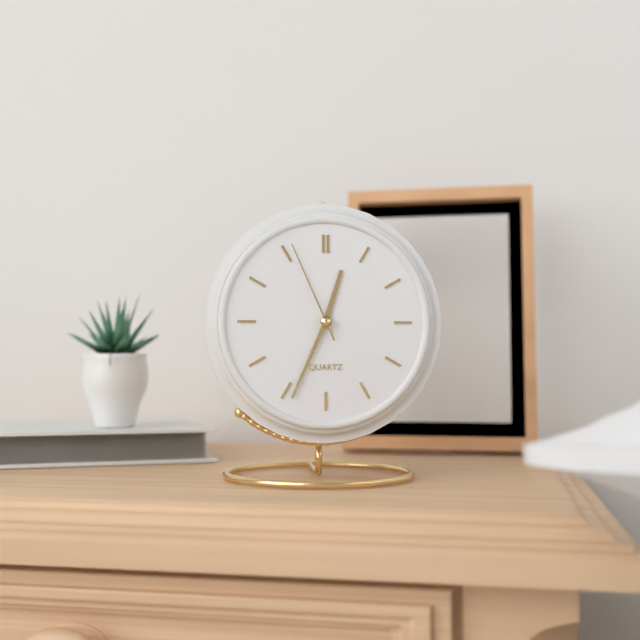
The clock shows **12:34:56**
